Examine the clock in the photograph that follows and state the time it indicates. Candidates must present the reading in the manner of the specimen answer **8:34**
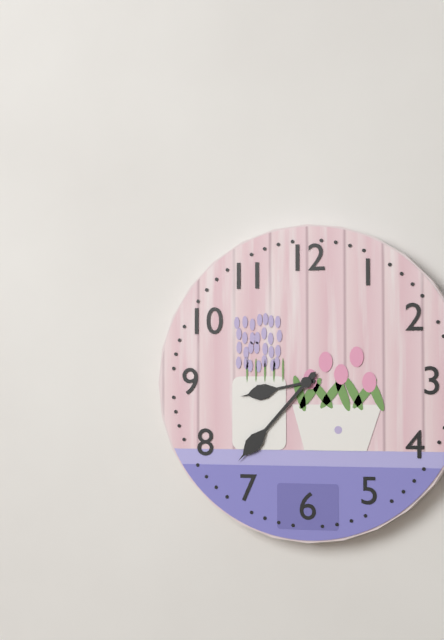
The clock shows **8:37**
